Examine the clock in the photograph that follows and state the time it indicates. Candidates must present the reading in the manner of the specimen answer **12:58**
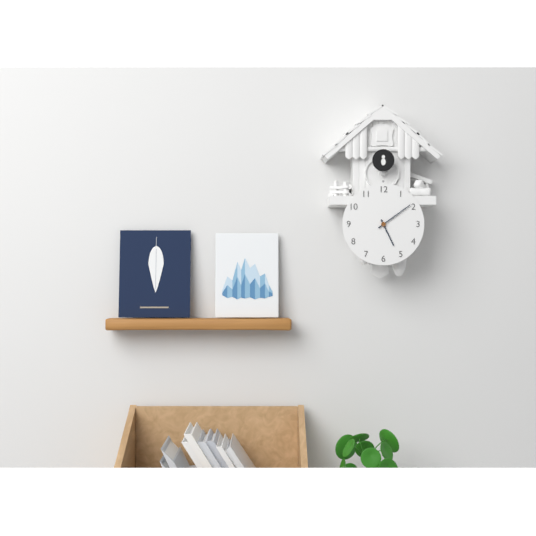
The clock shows **5:09**
